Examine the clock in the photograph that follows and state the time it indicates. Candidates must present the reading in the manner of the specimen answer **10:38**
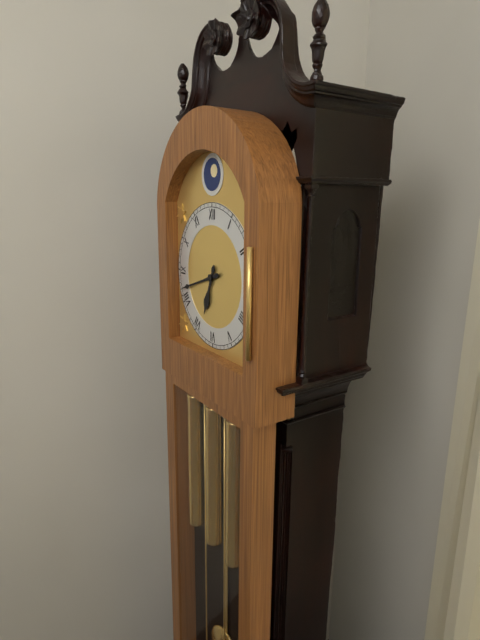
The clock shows **6:42**
